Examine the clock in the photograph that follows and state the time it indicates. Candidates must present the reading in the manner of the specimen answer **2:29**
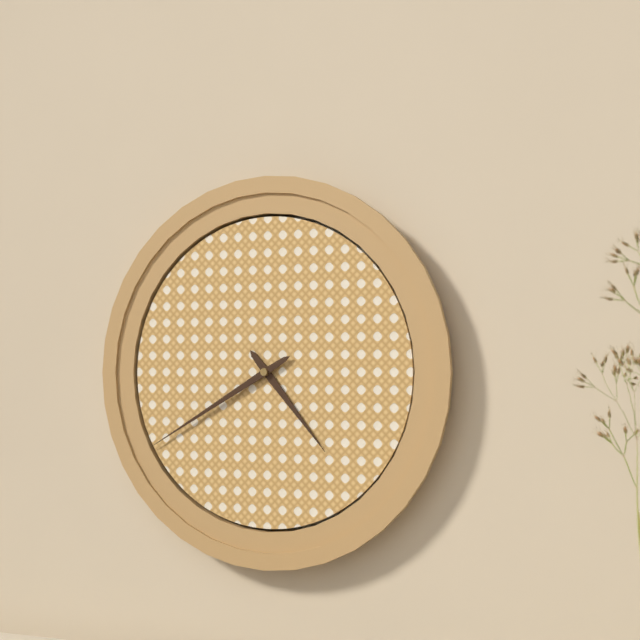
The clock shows **4:40**
